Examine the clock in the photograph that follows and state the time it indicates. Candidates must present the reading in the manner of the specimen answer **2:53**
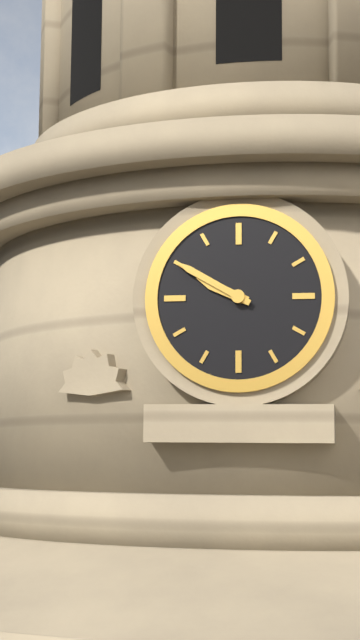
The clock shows **9:50**
